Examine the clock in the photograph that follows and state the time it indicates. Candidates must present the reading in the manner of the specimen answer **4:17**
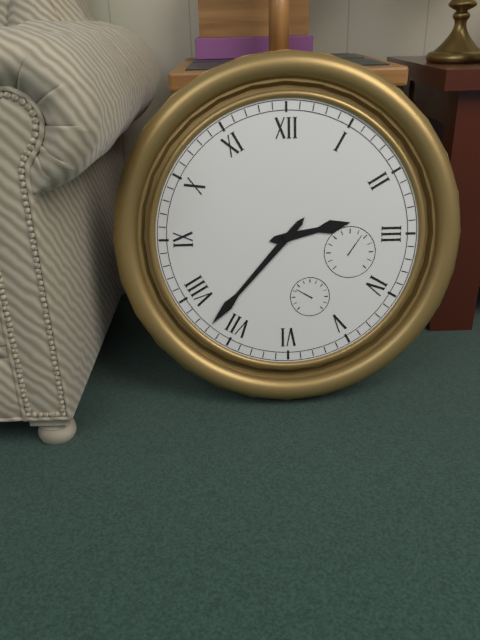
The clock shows **2:37**
